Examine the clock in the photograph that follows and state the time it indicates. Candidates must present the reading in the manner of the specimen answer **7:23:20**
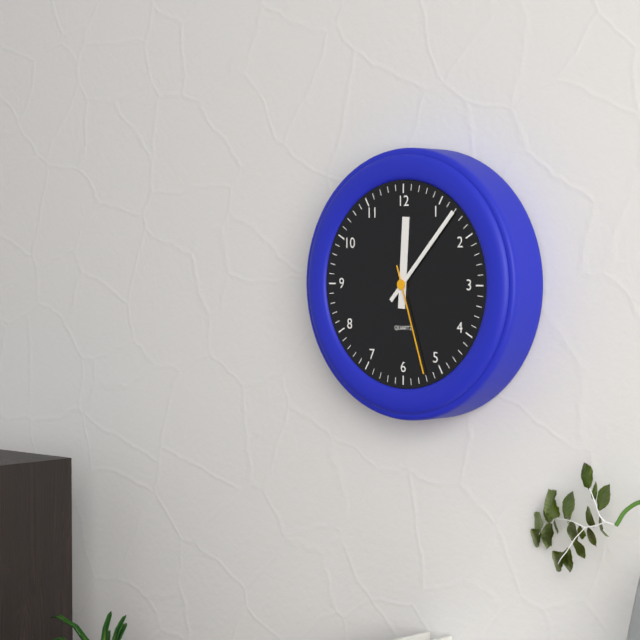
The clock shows **12:07:27**
